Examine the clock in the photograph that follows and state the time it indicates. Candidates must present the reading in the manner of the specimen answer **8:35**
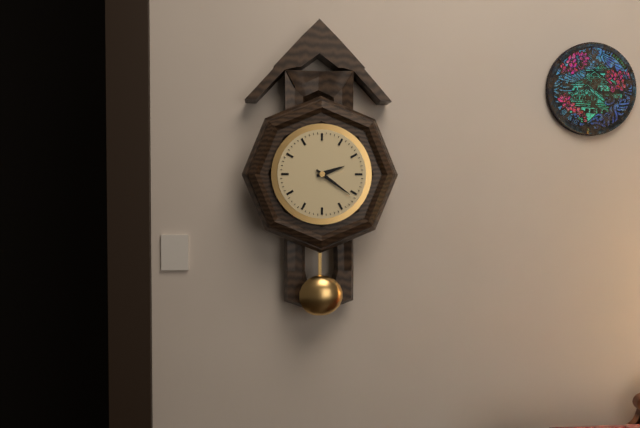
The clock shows **2:21**
